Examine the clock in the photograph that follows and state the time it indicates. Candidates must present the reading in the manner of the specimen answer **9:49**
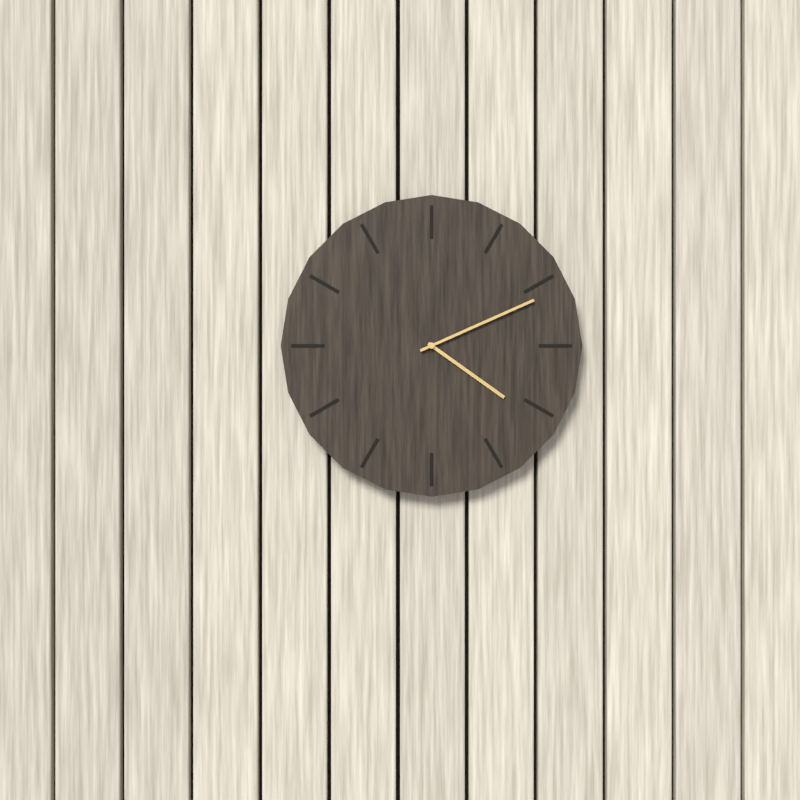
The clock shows **4:11**
